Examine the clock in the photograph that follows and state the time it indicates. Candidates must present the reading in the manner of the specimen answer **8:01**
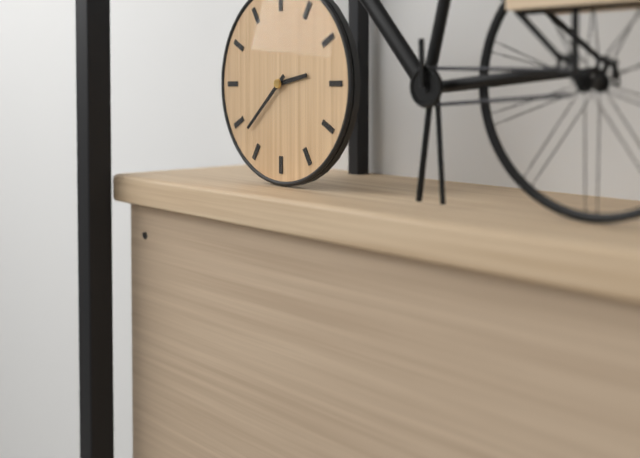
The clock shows **2:38**
